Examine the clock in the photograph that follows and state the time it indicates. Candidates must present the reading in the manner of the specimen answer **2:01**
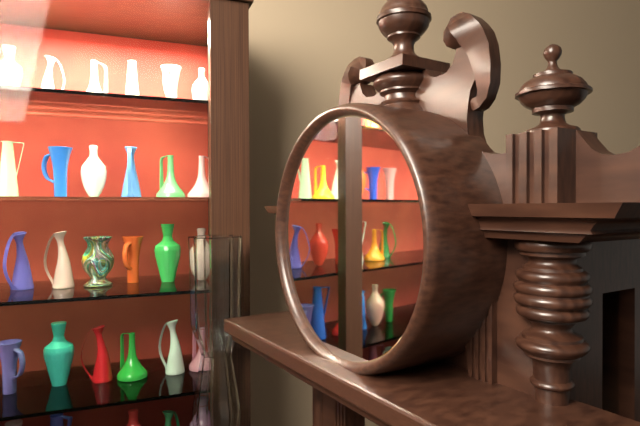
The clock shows **11:30**
